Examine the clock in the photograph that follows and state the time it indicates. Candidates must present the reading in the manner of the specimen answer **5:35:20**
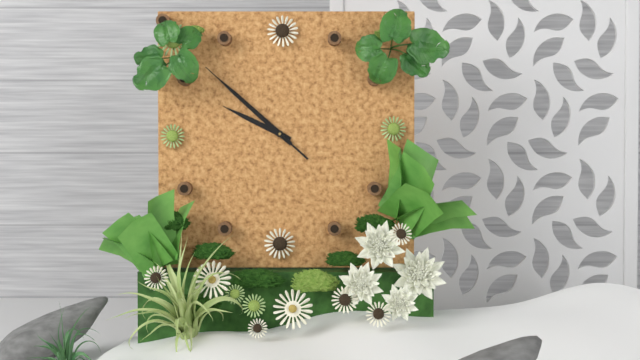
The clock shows **9:52:52**
